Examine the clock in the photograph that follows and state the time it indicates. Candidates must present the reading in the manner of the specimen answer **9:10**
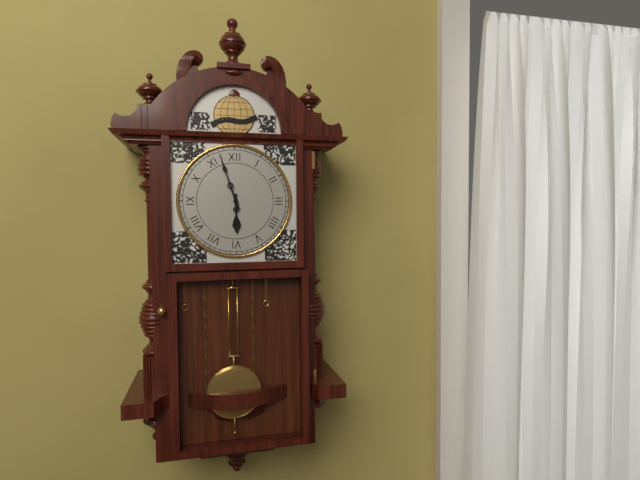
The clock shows **5:57**
